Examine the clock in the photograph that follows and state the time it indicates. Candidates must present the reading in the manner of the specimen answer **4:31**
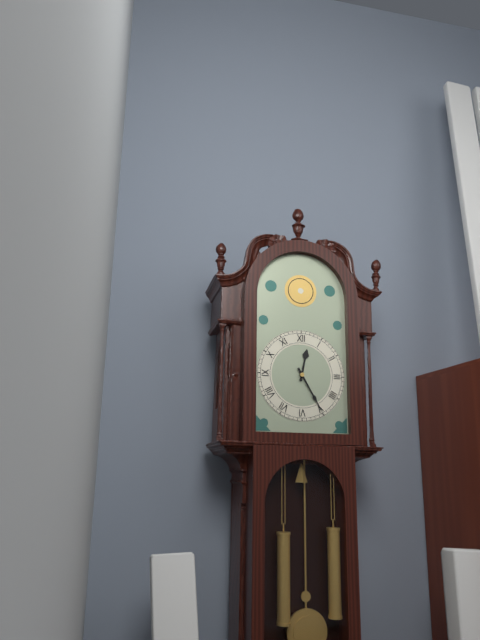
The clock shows **12:25**
